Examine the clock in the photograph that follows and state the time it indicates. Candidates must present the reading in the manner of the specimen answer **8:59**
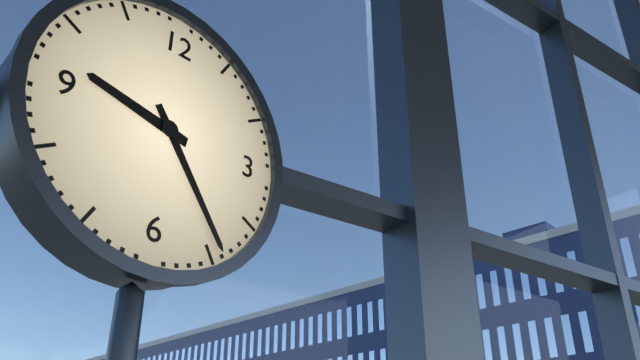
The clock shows **9:24**
